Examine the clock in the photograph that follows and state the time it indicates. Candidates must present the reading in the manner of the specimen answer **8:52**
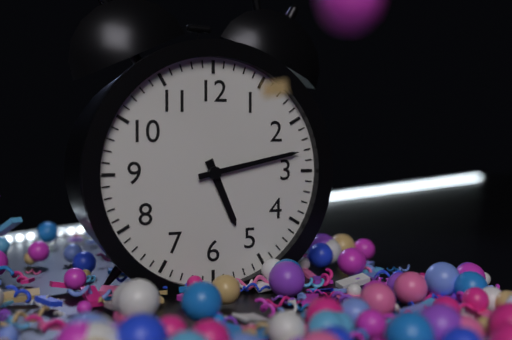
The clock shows **5:13**
